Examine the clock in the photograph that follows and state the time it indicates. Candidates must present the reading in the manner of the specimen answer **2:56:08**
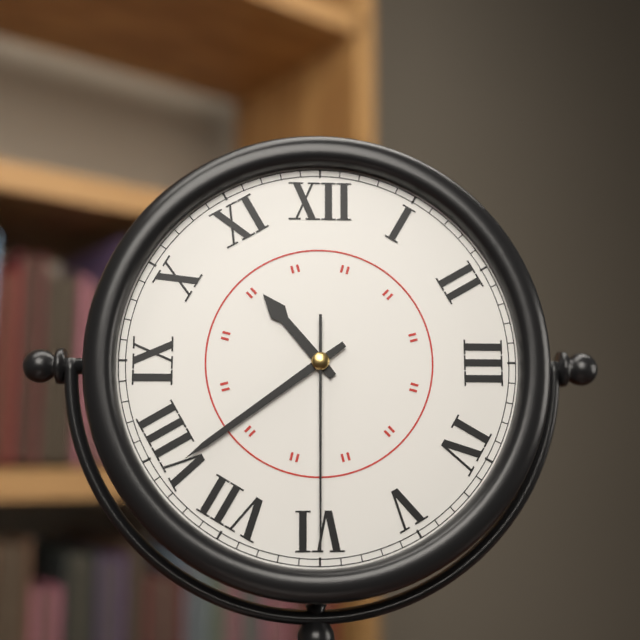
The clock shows **10:39:30**
